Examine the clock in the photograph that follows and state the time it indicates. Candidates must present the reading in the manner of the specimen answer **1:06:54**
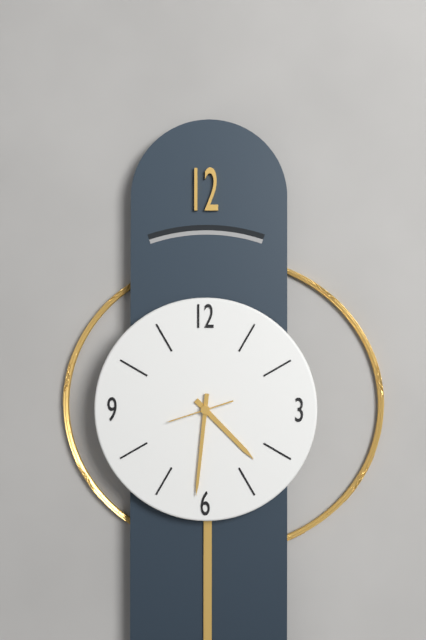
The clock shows **4:31:42**
